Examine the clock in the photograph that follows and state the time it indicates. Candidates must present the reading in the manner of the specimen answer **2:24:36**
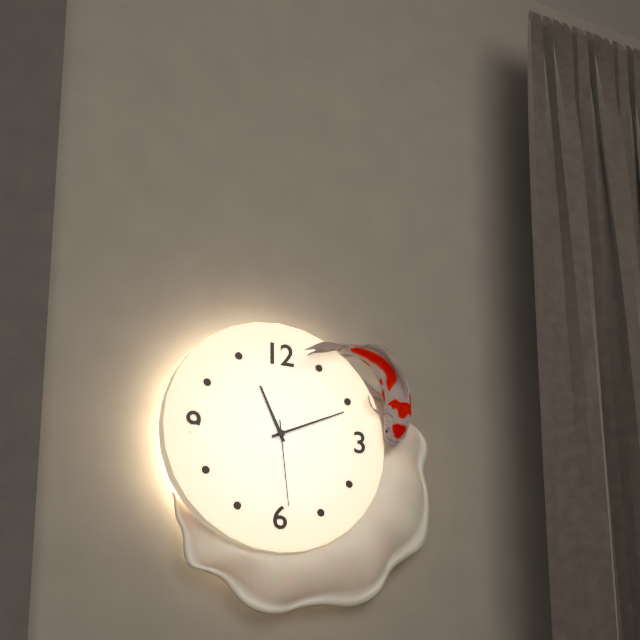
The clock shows **11:11:29**
